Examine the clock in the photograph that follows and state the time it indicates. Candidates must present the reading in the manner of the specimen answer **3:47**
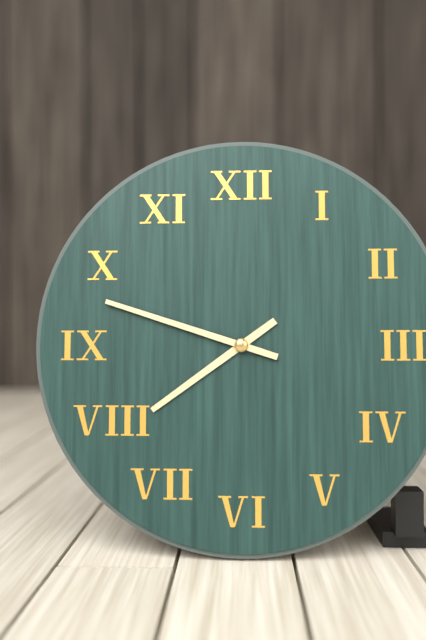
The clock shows **7:48**
